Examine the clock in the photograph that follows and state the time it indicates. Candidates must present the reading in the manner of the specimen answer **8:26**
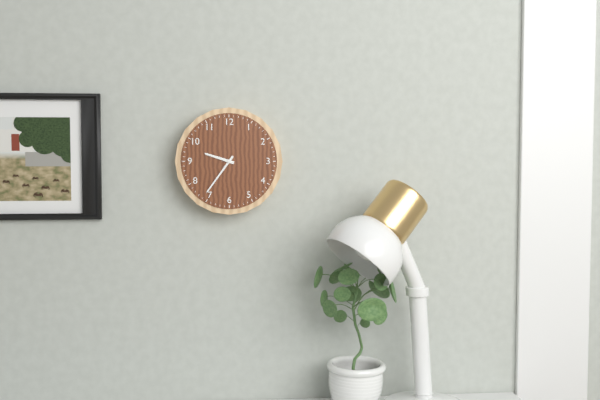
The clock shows **9:36**
